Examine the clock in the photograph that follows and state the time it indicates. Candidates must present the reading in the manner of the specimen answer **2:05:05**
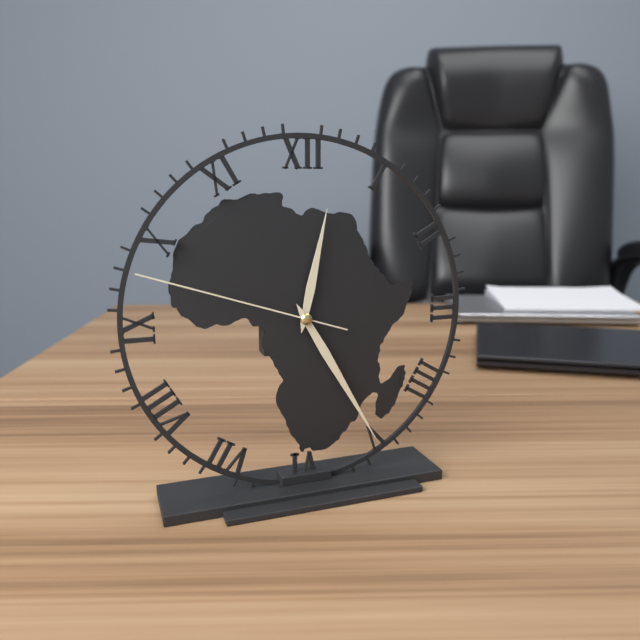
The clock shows **12:25:48**
